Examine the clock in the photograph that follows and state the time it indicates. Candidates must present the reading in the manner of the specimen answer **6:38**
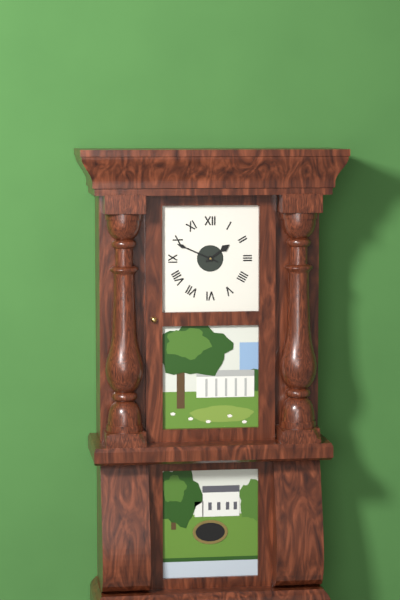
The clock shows **1:49**
